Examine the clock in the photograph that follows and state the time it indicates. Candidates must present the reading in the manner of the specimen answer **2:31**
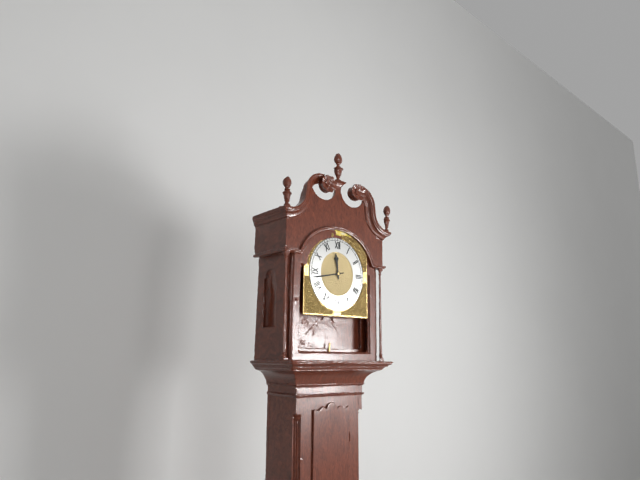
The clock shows **11:43**
